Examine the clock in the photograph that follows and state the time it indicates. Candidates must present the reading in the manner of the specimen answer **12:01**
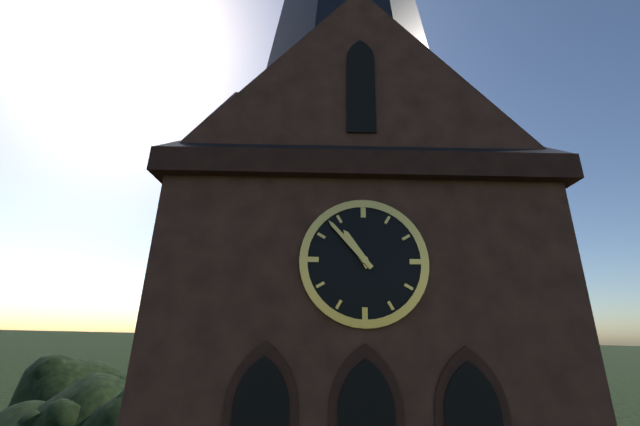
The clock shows **10:53**
